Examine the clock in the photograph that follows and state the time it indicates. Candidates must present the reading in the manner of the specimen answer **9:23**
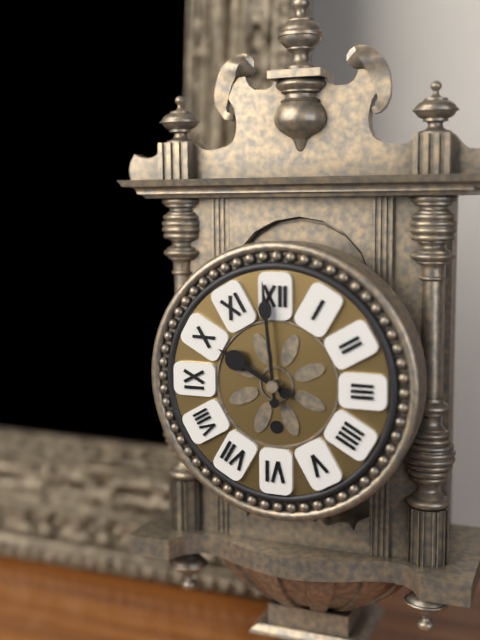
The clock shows **9:59**
